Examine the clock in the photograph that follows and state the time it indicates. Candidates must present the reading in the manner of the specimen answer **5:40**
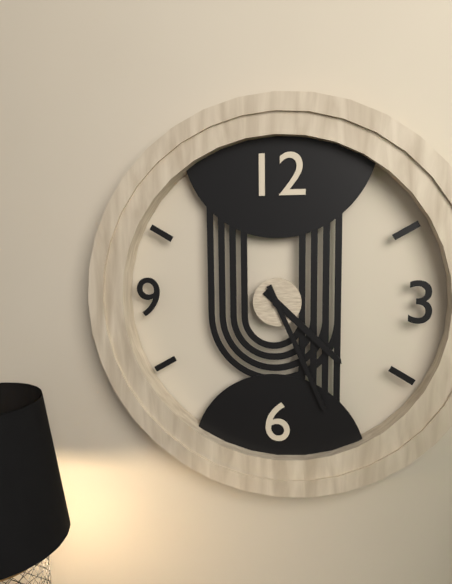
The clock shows **4:26**
